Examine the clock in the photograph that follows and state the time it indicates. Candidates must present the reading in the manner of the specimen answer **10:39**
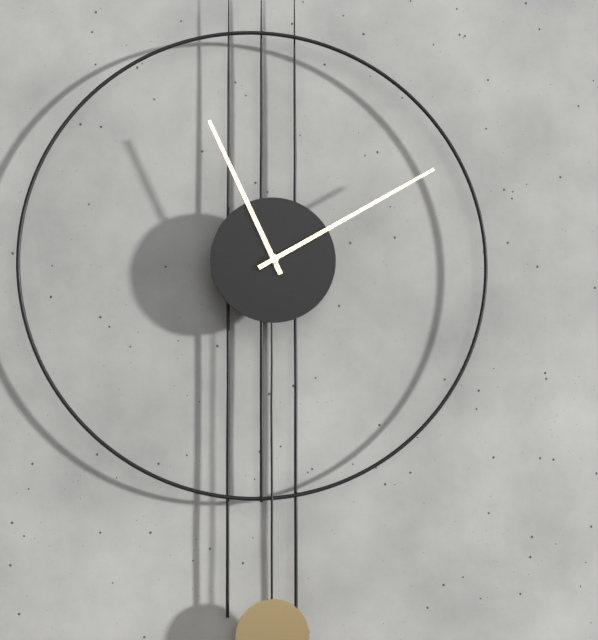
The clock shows **11:10**
